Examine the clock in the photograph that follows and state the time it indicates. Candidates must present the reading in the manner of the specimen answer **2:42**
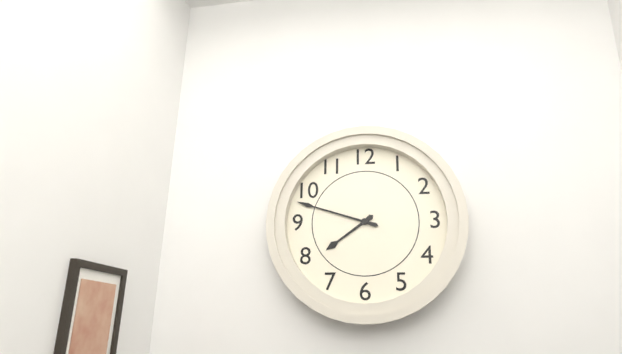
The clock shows **7:48**
